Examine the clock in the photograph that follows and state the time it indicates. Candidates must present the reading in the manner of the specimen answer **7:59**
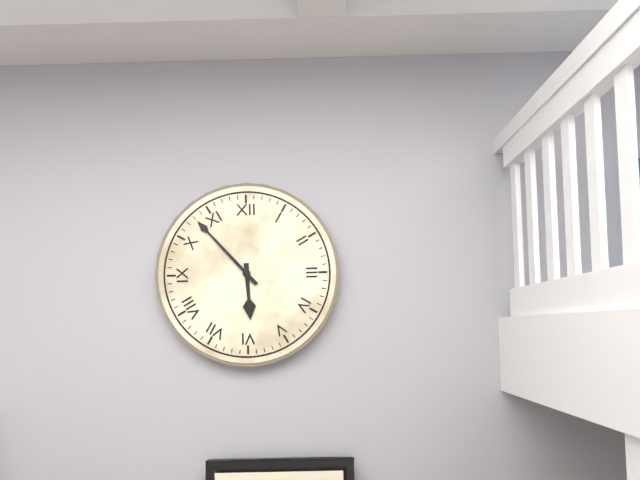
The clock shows **5:53**
